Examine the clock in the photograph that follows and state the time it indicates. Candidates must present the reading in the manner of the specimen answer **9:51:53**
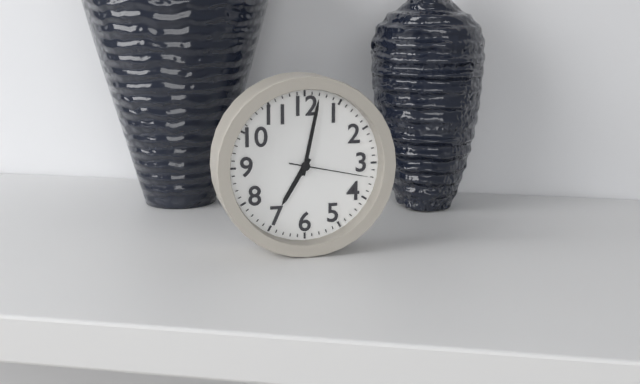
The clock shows **7:02:17**
